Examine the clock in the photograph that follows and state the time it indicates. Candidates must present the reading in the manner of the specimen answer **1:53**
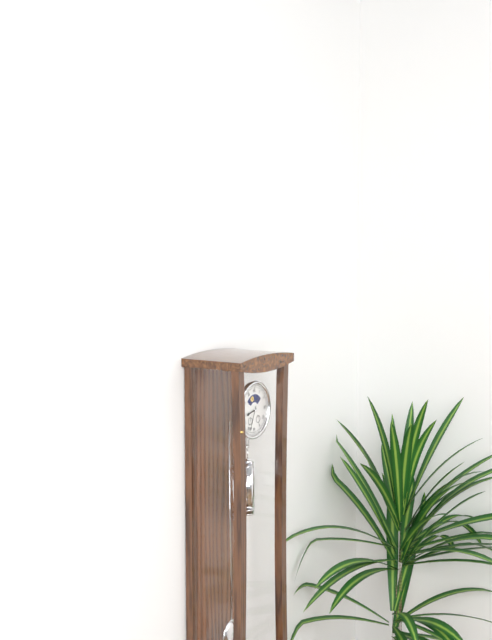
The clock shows **8:34**
